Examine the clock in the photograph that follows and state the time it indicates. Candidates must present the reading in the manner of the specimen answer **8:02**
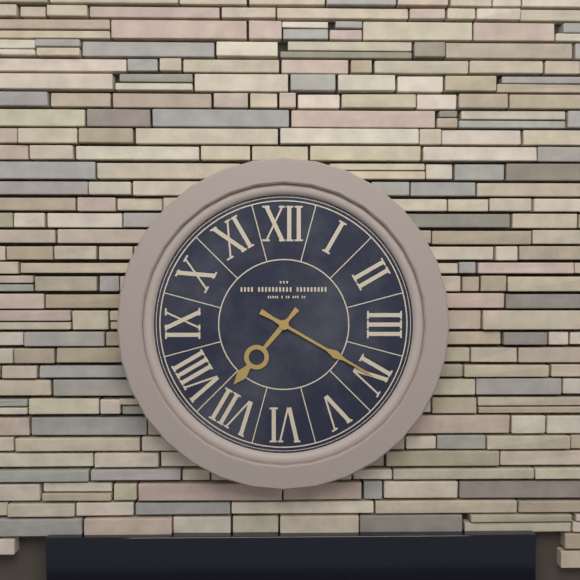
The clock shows **7:20**
